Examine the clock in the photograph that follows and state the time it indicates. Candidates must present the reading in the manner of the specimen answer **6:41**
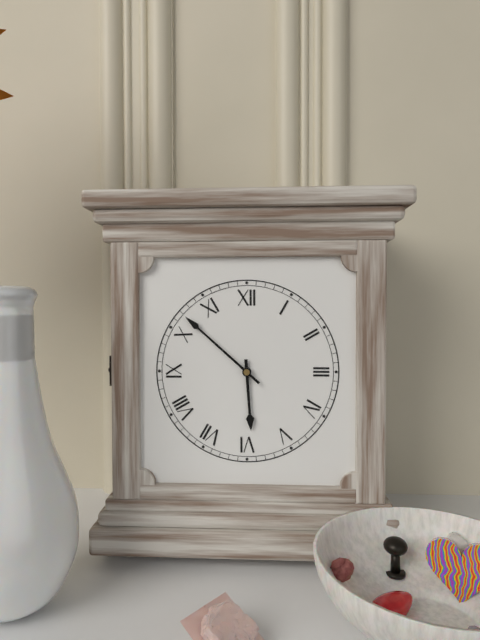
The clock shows **5:52**
